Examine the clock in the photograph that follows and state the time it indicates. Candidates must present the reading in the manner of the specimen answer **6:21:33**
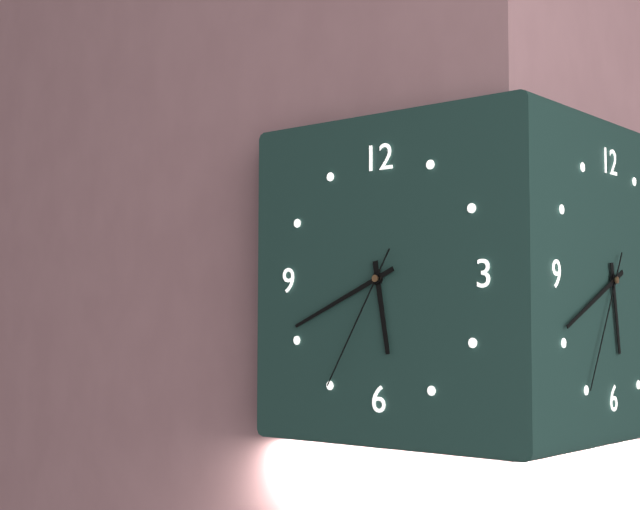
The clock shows **5:41:35**
